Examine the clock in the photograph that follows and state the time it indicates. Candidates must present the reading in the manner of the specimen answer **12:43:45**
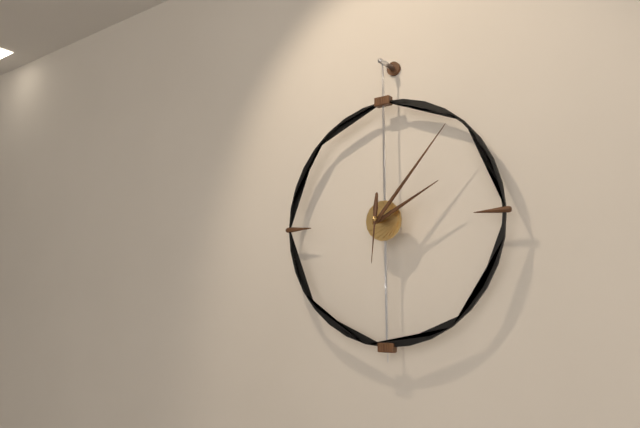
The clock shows **2:07:31**
